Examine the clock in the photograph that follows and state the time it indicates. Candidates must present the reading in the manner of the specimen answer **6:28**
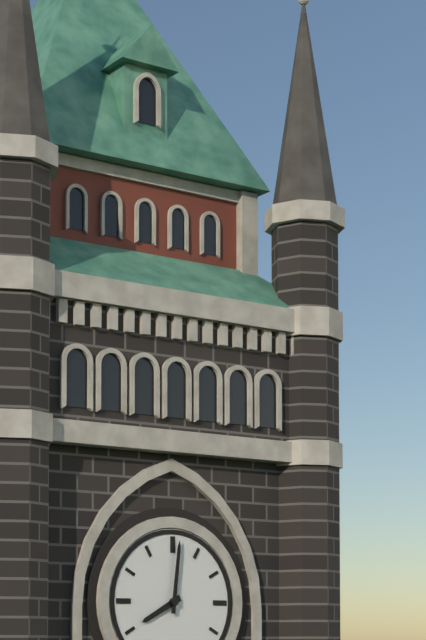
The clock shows **8:01**
